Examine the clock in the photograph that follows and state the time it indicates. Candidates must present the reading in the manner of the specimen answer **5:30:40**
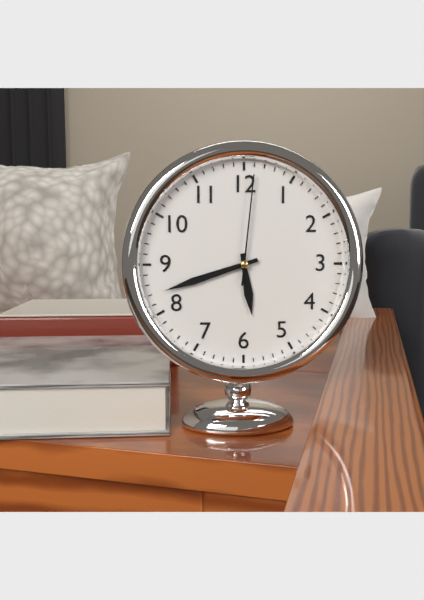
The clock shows **5:42:01**
